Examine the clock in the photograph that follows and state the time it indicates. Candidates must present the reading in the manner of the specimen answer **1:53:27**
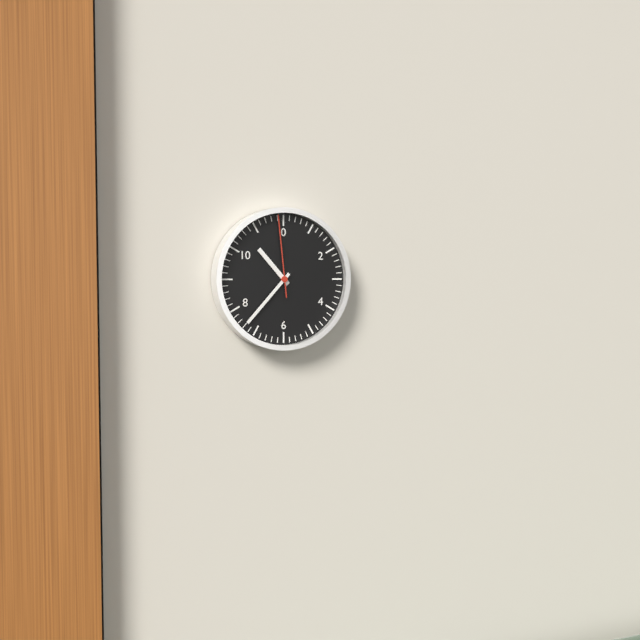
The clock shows **10:37:59**
